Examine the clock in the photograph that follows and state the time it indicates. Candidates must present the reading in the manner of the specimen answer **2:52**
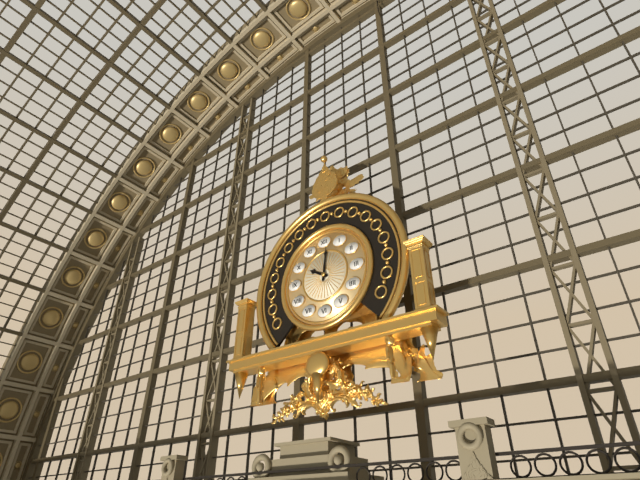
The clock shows **10:01**
